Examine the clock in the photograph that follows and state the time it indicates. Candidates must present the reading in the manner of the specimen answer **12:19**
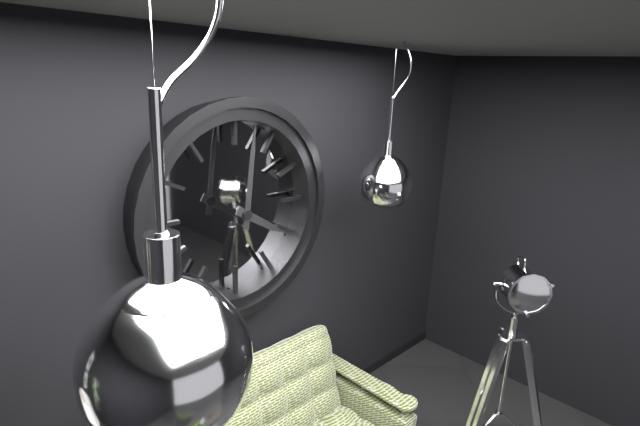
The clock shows **4:01**
